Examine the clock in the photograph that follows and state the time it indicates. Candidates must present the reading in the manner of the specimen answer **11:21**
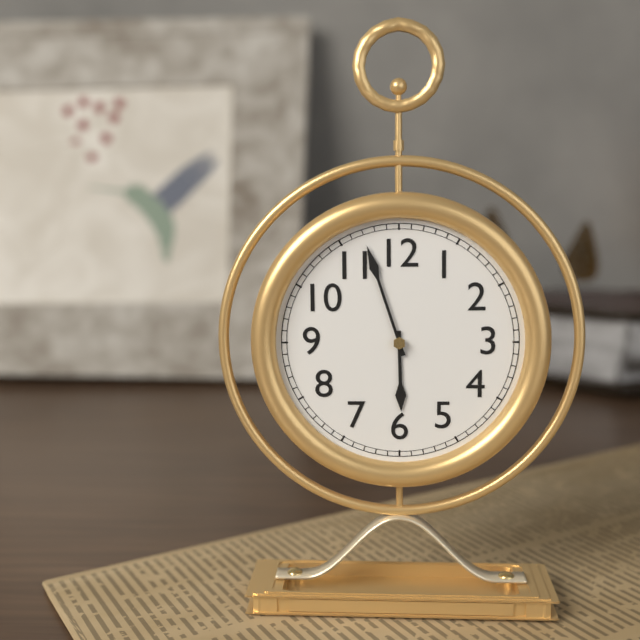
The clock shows **5:57**
